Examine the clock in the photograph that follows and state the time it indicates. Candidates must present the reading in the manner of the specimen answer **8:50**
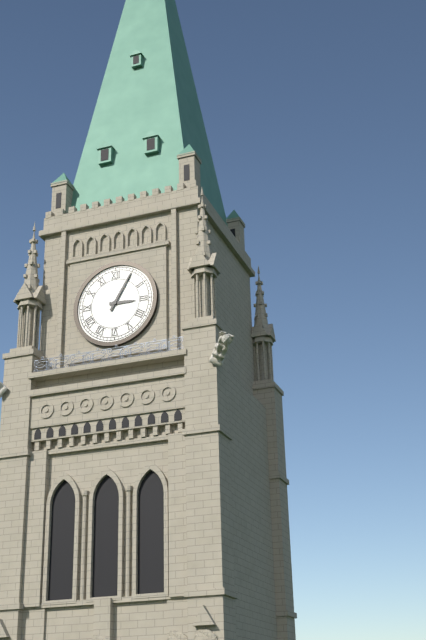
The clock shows **3:05**
